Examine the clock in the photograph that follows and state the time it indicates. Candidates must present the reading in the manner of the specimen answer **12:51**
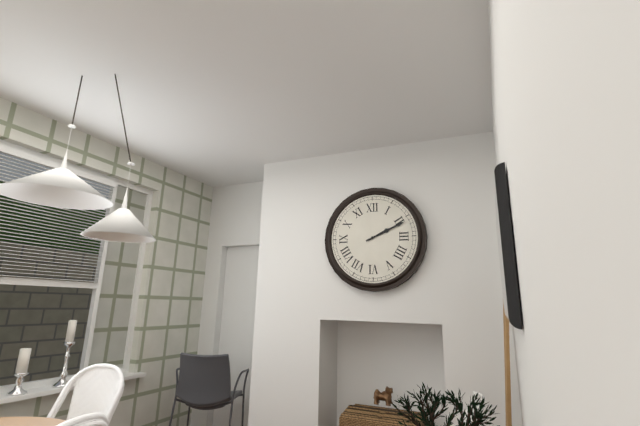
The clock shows **2:11**
